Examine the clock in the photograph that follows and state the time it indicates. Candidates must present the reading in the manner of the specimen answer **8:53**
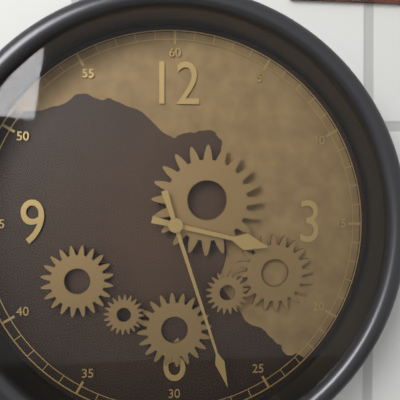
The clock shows **3:27**
